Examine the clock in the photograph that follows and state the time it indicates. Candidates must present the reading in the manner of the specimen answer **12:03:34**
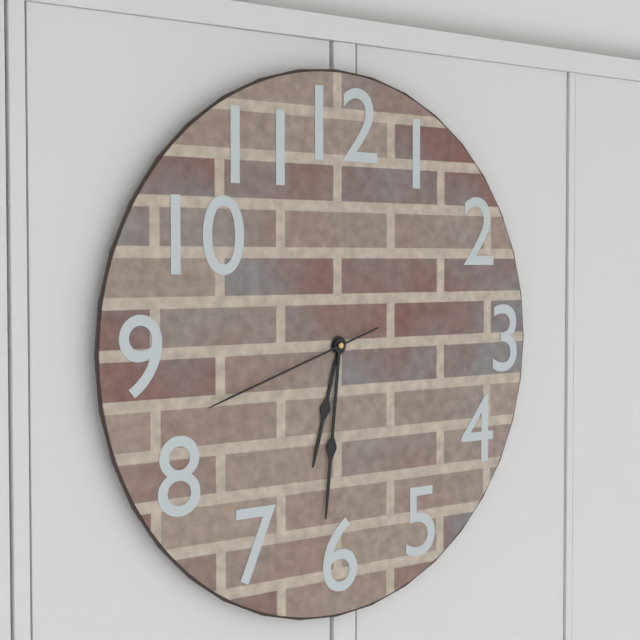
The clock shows **6:31:42**
